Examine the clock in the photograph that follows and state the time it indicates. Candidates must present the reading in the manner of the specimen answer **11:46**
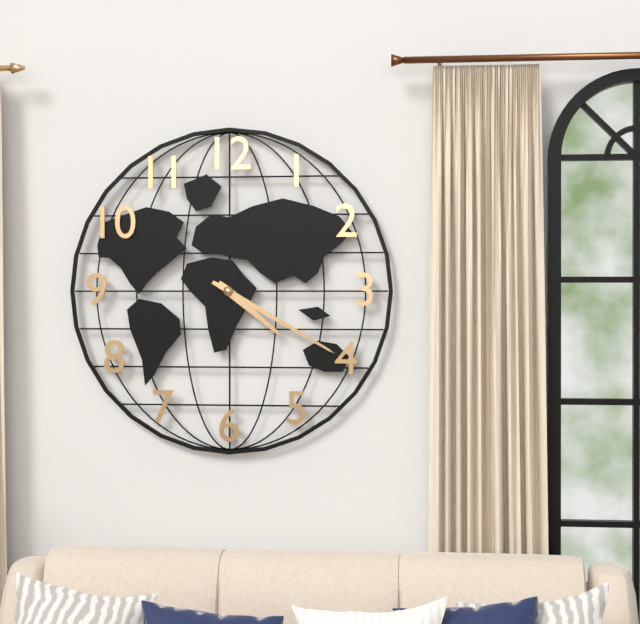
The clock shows **4:20**
